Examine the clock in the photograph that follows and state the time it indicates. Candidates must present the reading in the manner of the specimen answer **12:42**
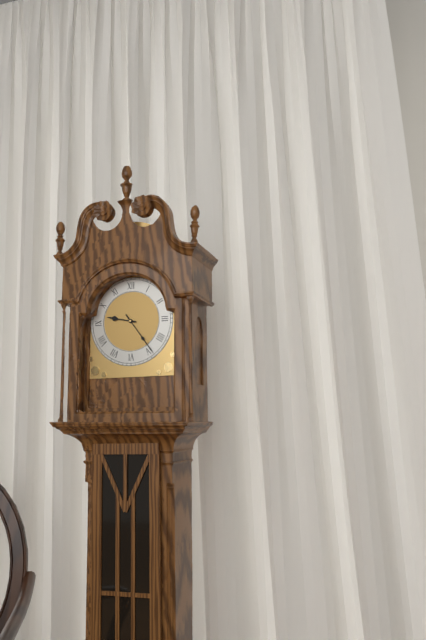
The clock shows **9:24**
